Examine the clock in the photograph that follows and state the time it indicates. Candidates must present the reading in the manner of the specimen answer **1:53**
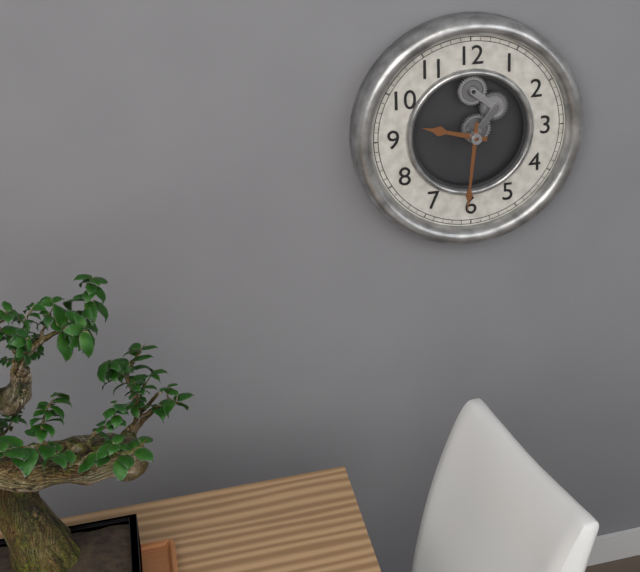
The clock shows **9:31**
